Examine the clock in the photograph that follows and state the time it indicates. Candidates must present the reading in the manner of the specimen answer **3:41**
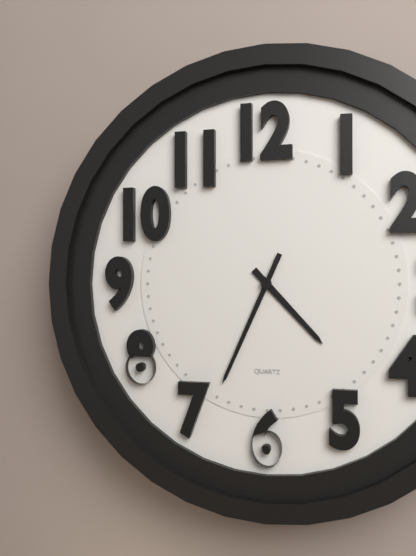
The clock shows **4:34**
